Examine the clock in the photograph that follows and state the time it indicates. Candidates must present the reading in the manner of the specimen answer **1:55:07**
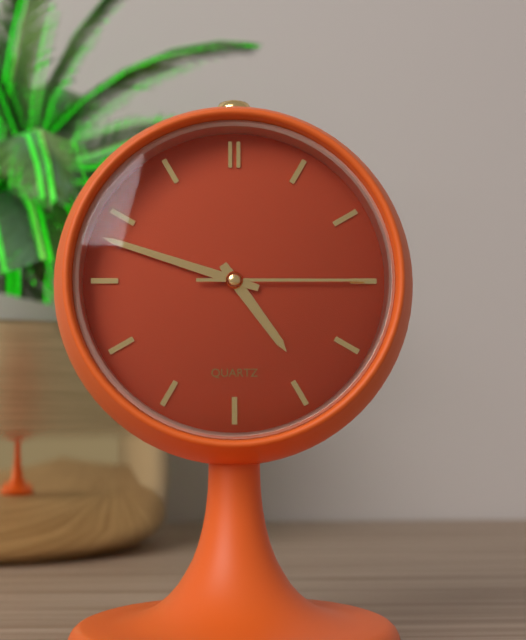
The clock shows **4:48:15**
